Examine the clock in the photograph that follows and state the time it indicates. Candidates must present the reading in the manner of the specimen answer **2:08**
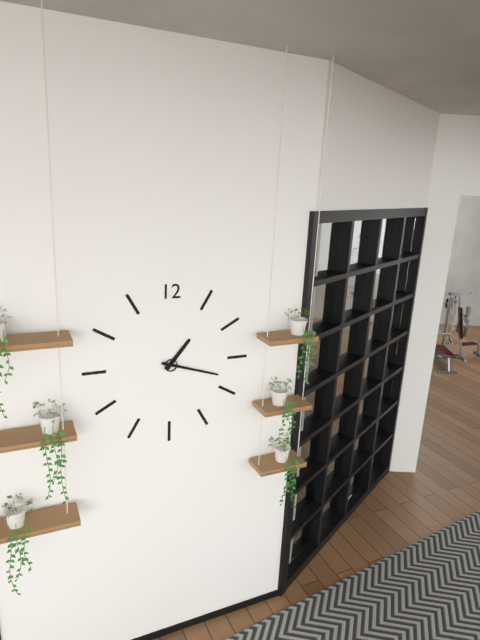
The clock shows **1:18**
